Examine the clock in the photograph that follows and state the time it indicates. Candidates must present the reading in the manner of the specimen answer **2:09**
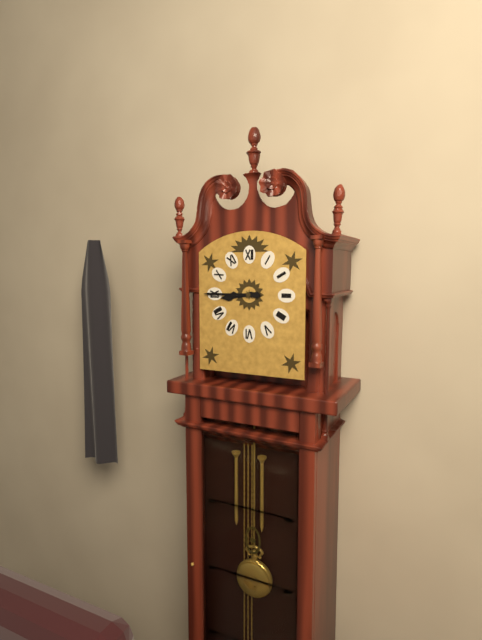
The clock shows **8:45**
